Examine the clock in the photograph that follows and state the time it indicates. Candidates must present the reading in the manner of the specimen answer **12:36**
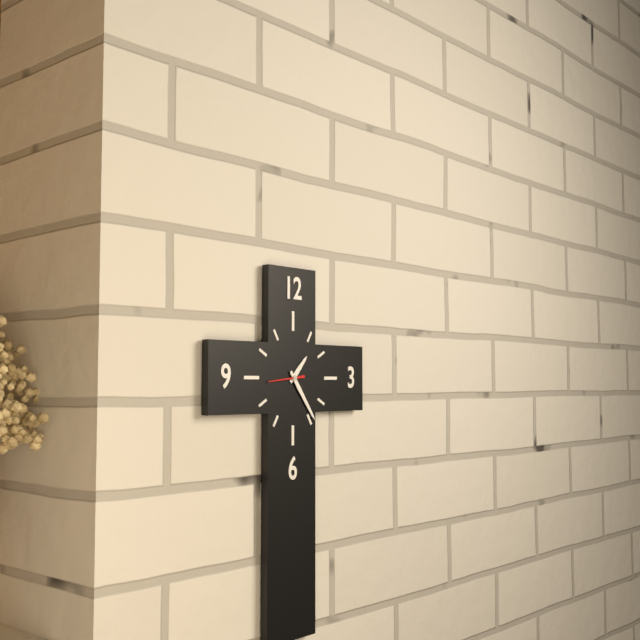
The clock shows **1:24**
